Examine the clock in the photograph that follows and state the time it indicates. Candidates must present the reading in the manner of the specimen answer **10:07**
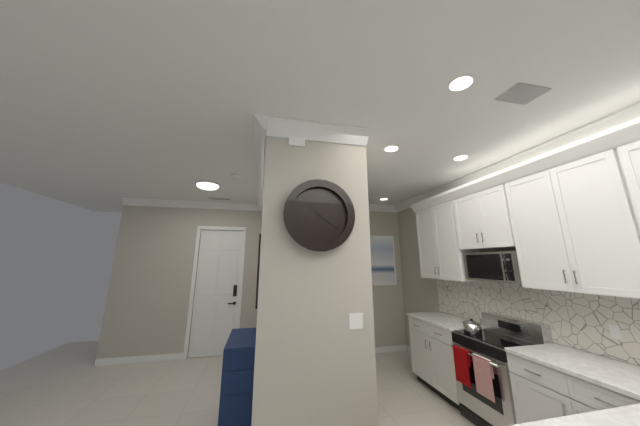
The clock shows **10:21**
